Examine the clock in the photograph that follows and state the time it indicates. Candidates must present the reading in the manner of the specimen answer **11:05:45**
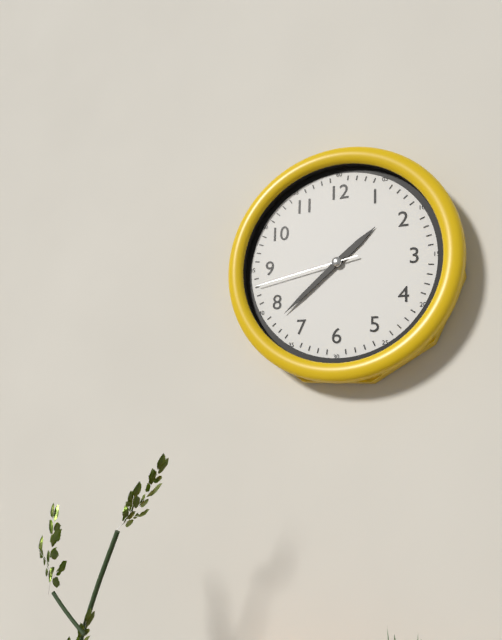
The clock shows **1:38:43**
